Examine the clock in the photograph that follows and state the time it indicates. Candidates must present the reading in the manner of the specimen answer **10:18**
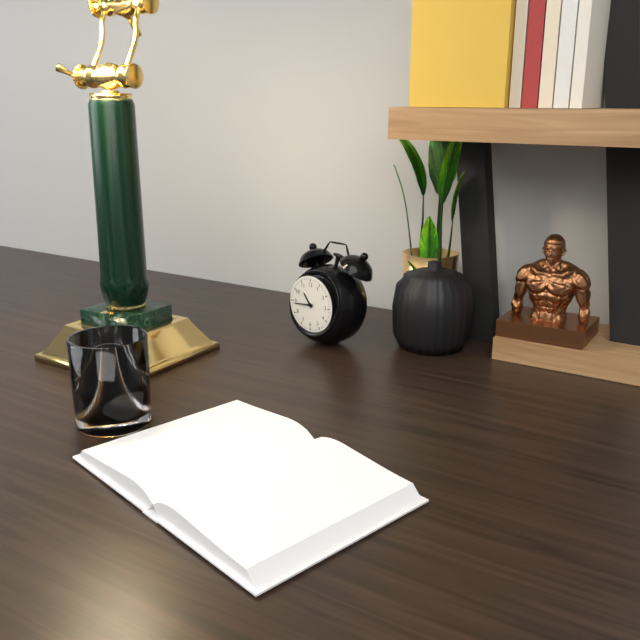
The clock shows **10:44**
